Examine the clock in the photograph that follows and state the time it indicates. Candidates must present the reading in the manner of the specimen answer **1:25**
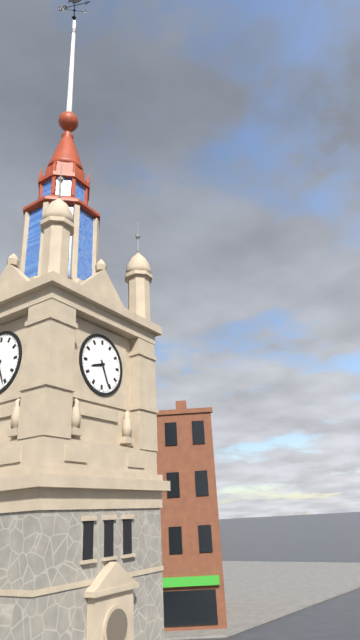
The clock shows **8:26**
